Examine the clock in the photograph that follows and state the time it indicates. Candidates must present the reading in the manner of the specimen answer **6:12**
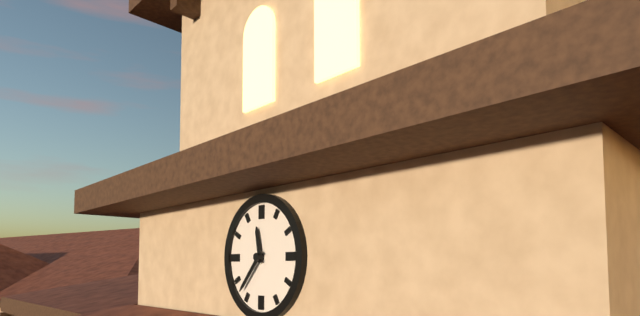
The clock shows **11:37**
